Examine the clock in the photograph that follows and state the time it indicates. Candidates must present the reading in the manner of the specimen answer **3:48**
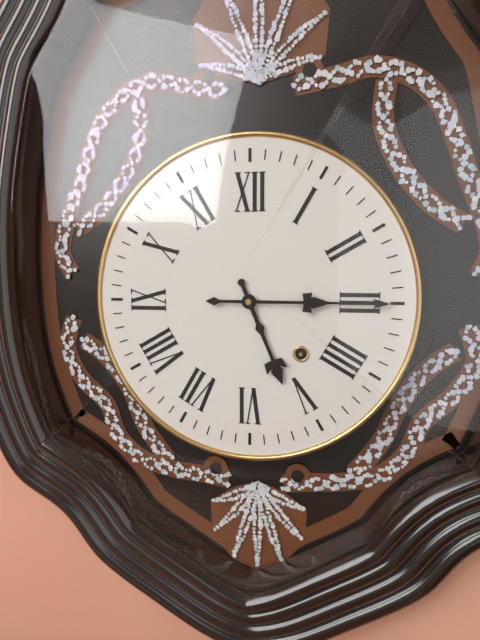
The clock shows **5:15**
